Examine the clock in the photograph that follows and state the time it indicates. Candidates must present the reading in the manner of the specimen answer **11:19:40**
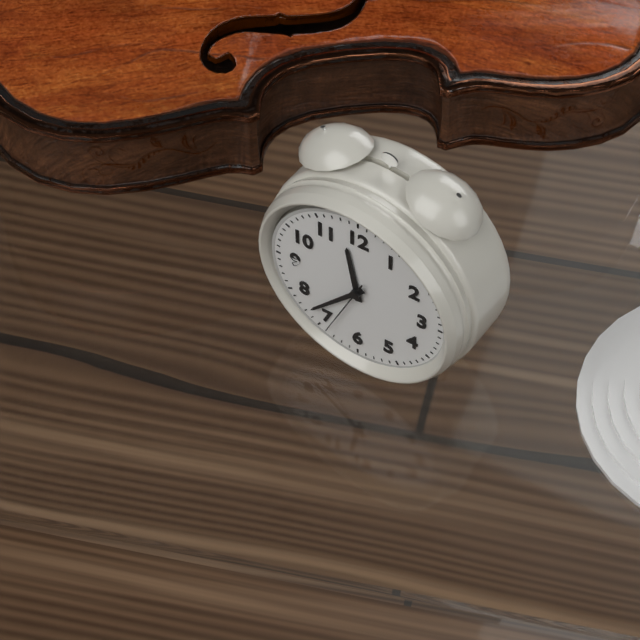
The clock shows **11:37:34**
